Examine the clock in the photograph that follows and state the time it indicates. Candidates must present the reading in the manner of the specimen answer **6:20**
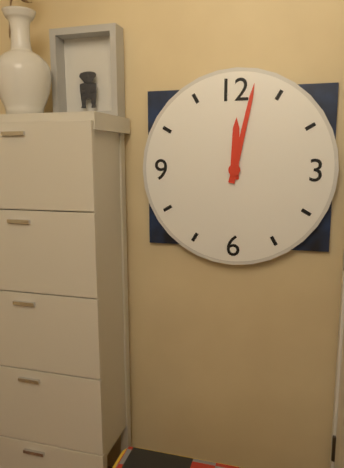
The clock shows **12:02**
